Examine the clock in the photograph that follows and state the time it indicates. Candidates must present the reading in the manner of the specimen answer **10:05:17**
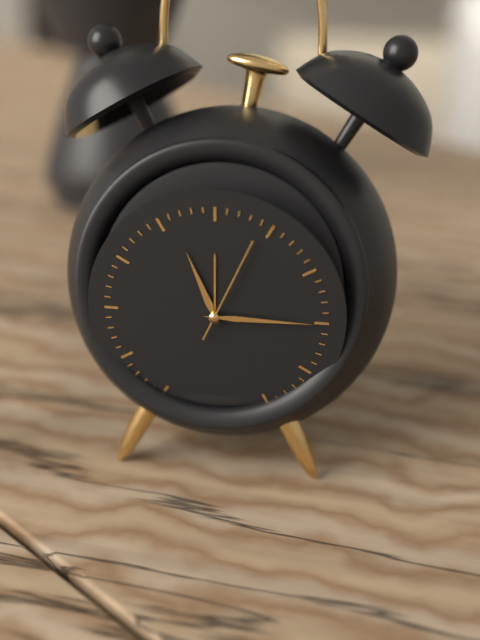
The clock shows **11:15:04**
